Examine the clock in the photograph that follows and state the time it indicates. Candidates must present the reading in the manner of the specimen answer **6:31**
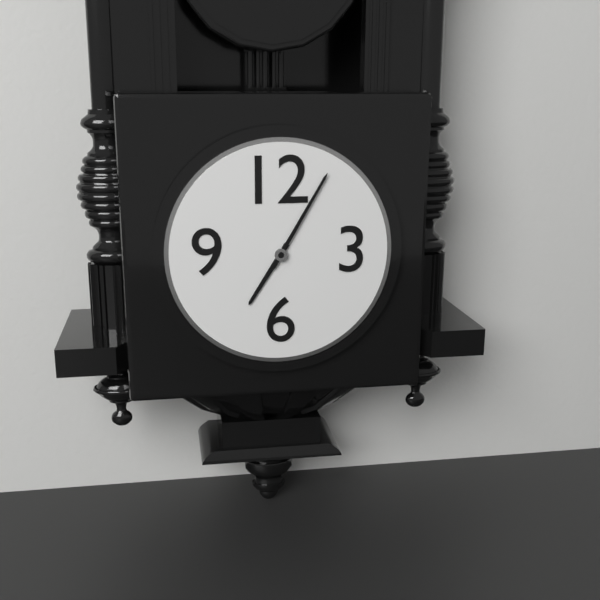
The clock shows **7:05**
